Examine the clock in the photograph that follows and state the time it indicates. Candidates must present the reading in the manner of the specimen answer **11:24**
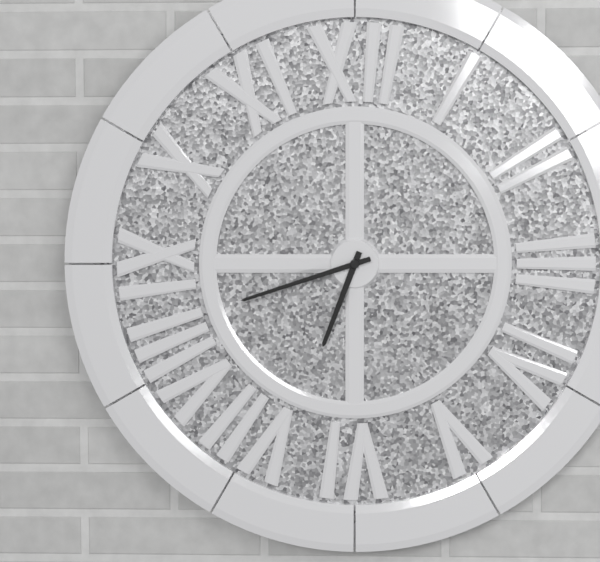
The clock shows **6:42**
